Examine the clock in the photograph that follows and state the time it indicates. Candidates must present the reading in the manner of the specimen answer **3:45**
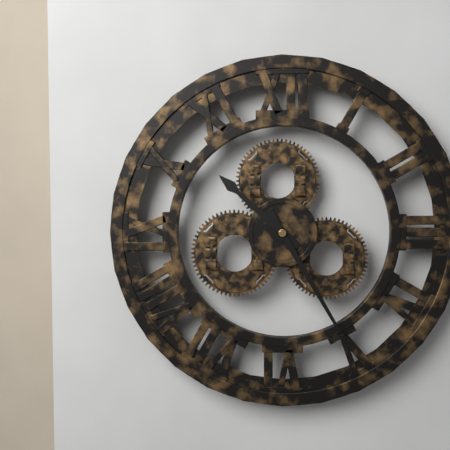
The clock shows **10:25**
